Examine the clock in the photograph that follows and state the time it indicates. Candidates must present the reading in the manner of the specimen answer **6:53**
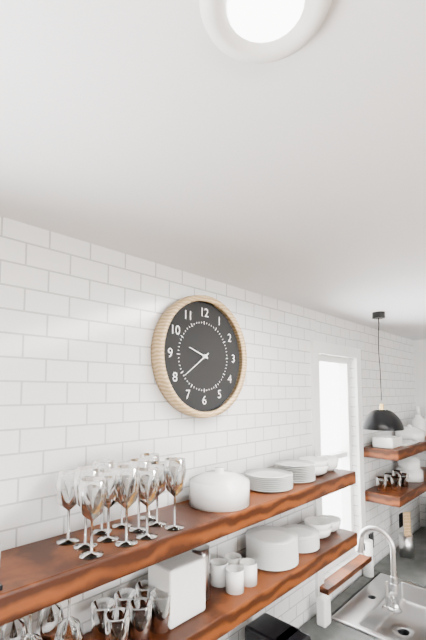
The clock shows **9:39**
